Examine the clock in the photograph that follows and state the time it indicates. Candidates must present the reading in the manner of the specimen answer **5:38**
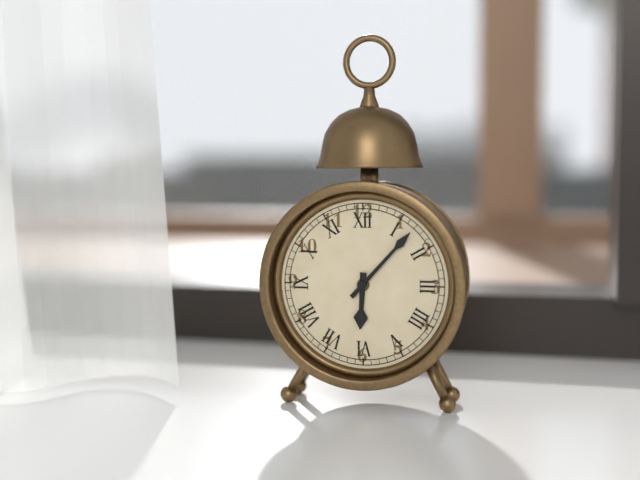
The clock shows **6:07**
